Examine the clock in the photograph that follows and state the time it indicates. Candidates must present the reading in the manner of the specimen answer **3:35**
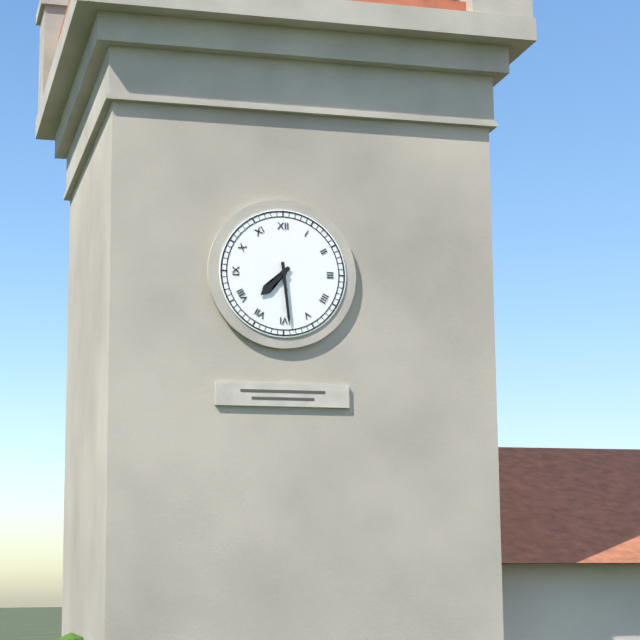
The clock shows **7:29**
